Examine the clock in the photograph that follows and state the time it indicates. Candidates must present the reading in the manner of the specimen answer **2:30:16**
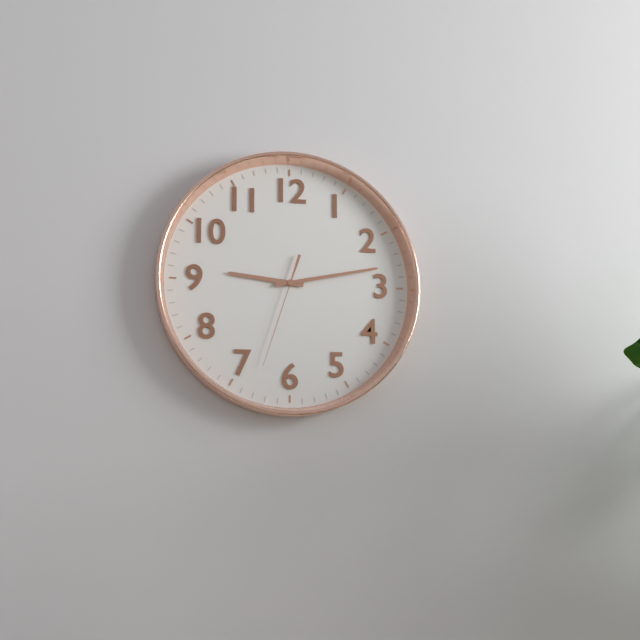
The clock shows **9:13:33**
